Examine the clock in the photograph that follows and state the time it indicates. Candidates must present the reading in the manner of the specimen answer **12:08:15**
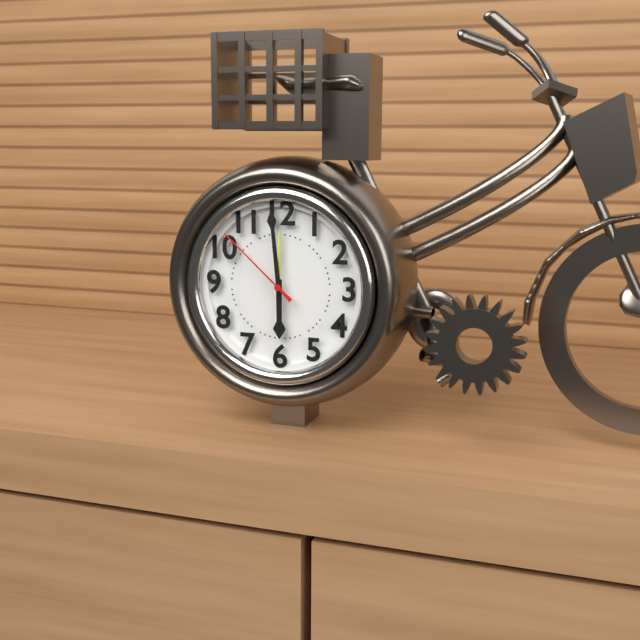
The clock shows **5:59:52**
